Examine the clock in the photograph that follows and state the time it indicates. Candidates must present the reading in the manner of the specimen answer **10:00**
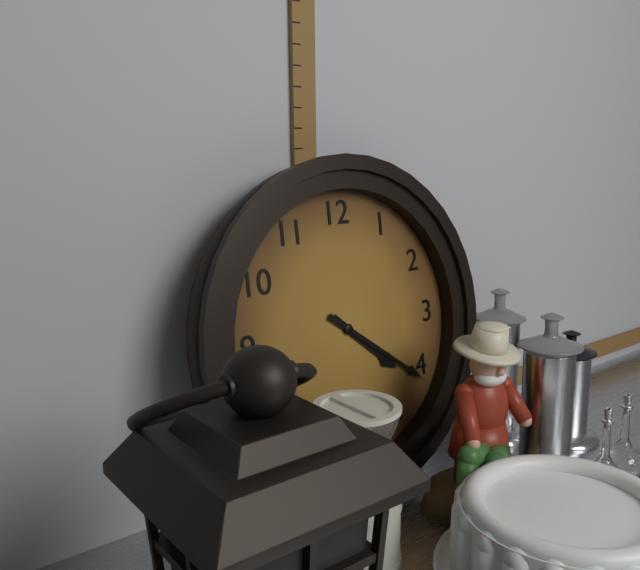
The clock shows **4:21**
